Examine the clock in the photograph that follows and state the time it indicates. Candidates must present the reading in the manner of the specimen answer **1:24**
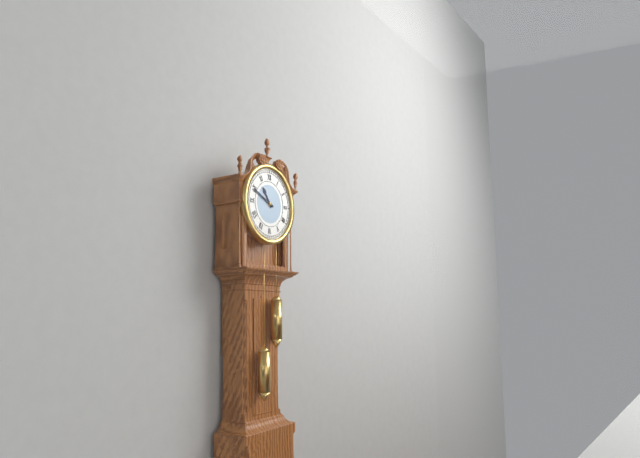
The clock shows **10:49**
